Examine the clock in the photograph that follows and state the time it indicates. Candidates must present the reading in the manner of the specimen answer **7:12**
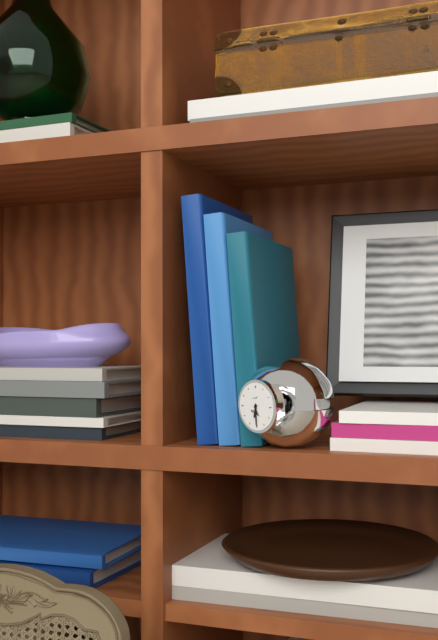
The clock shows **6:30**
